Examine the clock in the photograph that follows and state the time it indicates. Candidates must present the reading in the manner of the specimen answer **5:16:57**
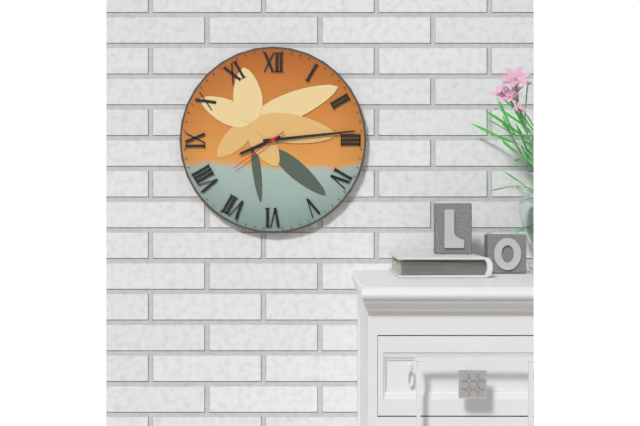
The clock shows **8:14:39**
